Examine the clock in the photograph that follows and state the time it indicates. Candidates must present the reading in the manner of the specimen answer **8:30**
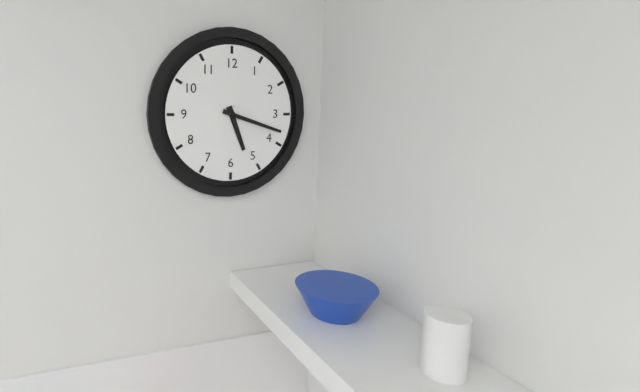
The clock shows **5:18**
